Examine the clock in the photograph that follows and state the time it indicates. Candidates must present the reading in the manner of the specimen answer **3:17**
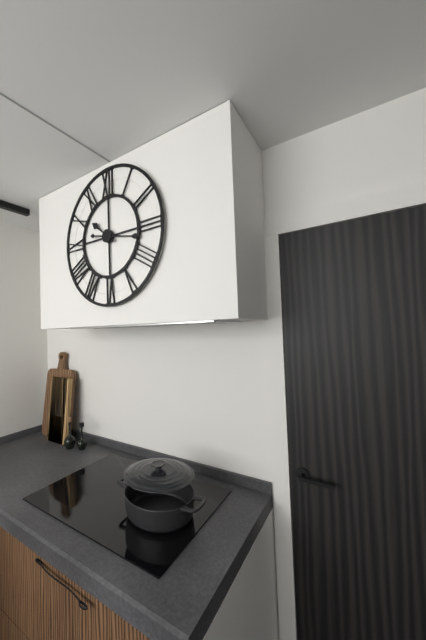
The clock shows **10:17**
